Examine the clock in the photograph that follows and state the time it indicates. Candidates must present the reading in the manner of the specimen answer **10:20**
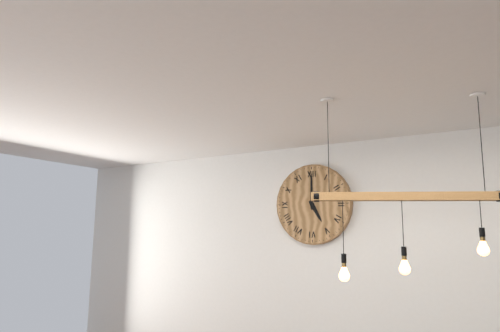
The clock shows **5:00**
